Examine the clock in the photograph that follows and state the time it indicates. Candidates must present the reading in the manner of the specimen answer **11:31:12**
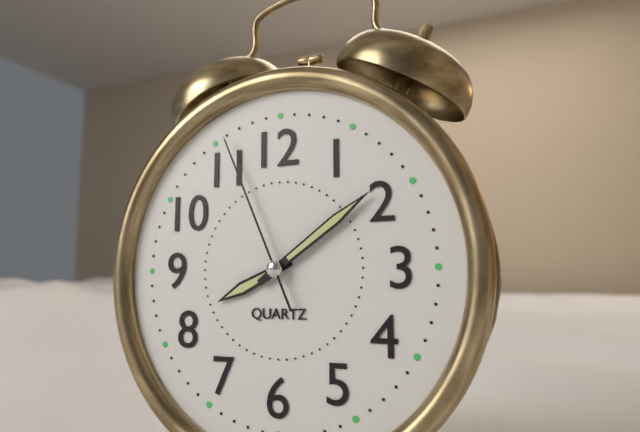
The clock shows **8:09:56**
